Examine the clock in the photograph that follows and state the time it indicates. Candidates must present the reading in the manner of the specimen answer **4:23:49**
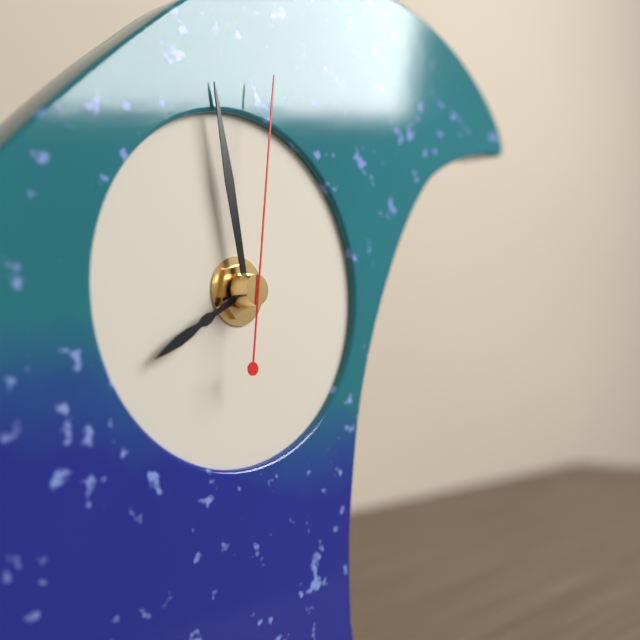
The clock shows **7:58:01**
